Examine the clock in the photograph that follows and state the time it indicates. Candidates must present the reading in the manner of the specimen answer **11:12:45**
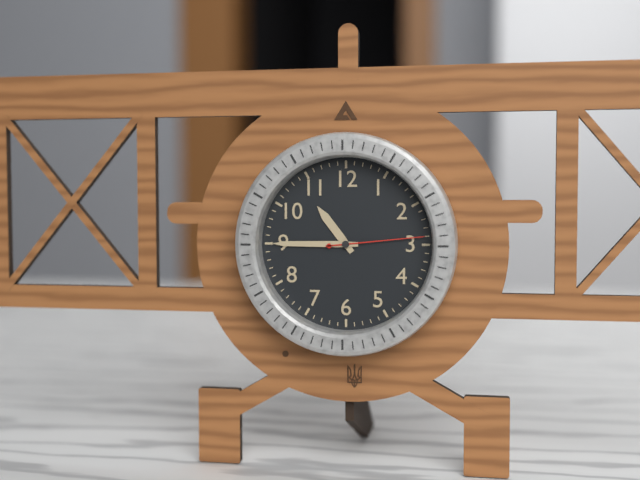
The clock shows **10:45:14**
